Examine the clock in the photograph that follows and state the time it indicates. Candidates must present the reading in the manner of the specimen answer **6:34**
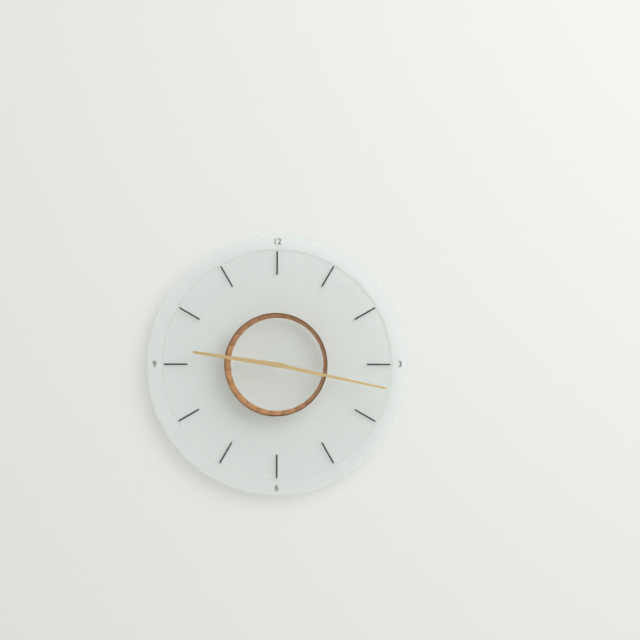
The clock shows **9:17**
